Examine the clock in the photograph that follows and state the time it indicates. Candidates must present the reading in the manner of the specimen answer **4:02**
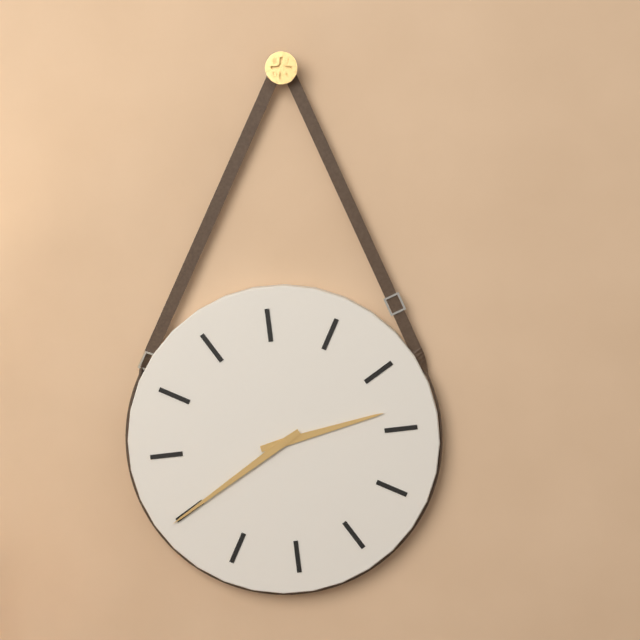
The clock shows **2:40**
